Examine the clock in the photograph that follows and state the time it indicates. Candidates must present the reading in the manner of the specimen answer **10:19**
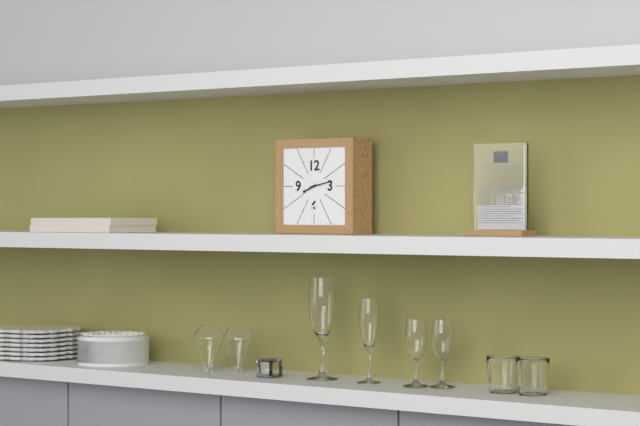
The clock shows **8:13**
